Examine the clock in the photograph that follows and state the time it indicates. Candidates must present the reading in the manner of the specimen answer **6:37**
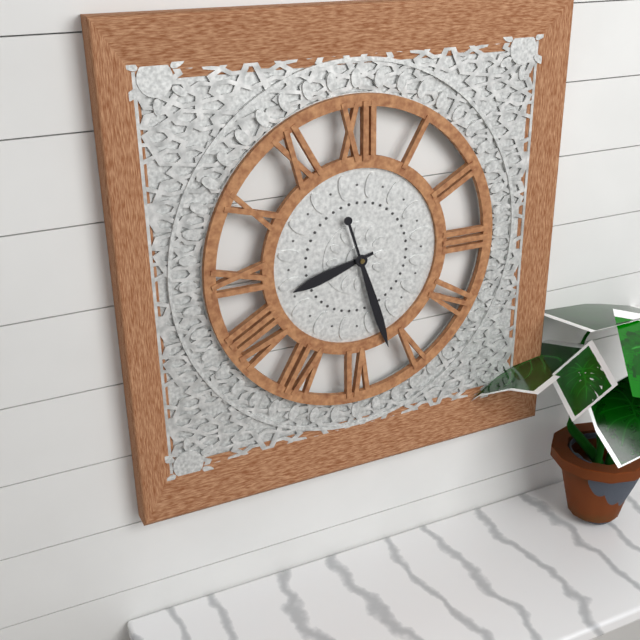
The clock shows **8:27**
